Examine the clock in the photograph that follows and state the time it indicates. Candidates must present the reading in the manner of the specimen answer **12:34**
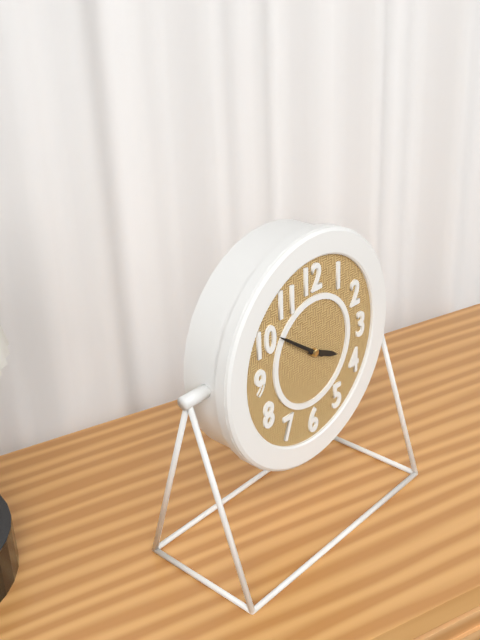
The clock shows **3:51**
